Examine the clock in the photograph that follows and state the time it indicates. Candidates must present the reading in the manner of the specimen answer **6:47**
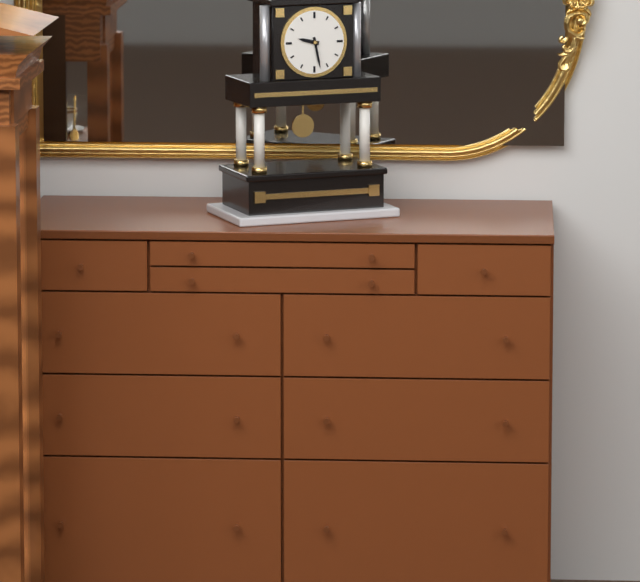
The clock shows **9:28**
